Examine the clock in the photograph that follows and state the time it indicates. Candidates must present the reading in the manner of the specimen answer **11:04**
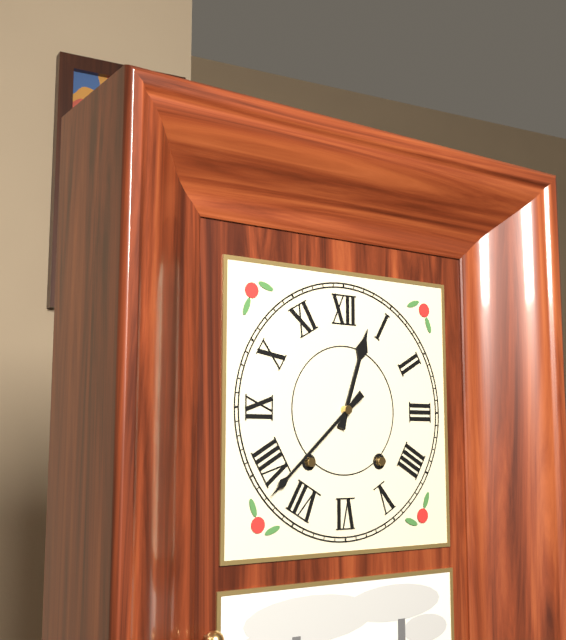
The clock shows **12:38**
